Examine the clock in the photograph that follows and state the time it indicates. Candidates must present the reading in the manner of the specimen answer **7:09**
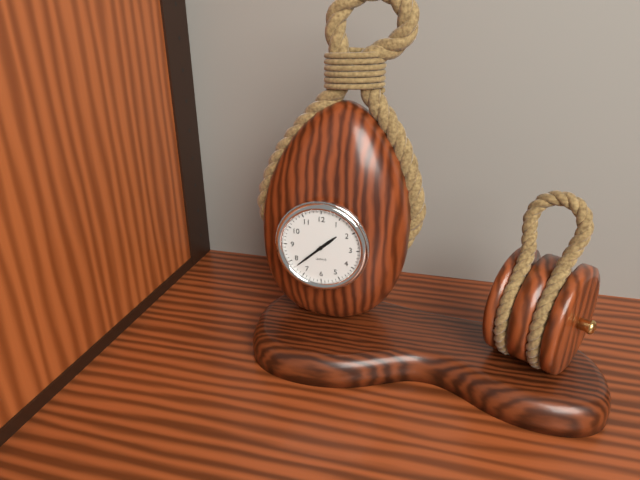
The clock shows **1:38**
